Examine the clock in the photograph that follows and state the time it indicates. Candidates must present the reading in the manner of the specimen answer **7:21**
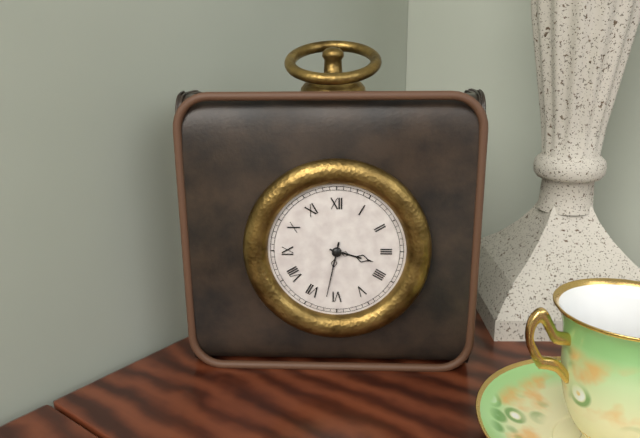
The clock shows **3:32**
